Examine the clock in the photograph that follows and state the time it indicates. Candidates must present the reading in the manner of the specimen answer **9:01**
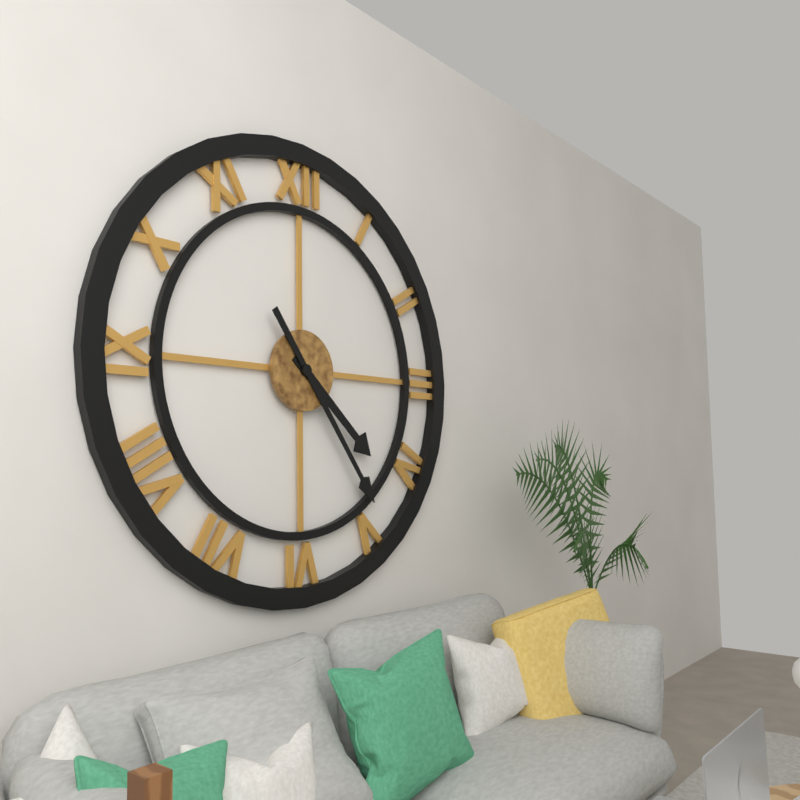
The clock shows **4:24**
